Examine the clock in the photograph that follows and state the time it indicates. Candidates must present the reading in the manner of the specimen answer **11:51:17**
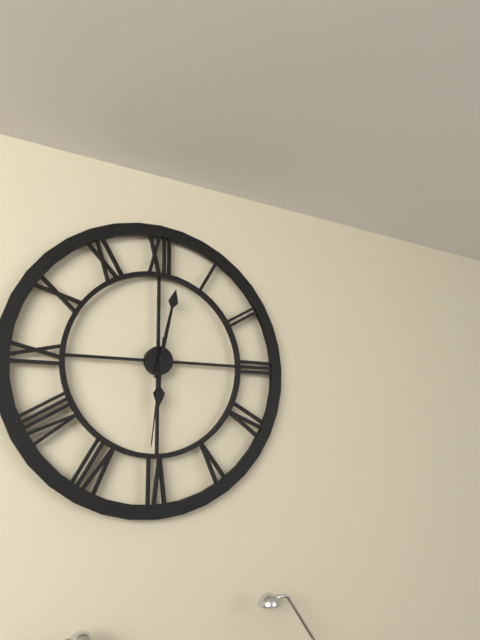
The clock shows **6:02:31**
